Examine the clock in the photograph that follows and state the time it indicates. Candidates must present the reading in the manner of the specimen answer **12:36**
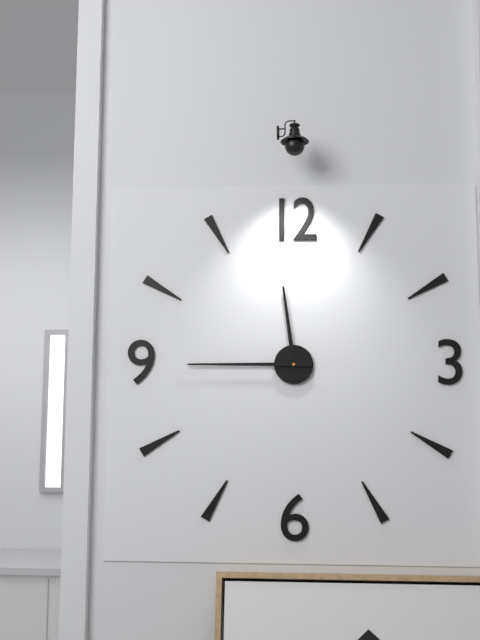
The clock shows **11:45**
